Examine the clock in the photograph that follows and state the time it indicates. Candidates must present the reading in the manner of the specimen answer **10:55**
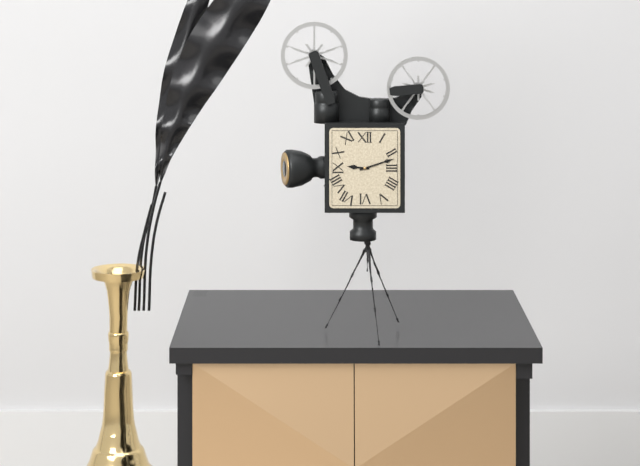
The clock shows **9:12**
